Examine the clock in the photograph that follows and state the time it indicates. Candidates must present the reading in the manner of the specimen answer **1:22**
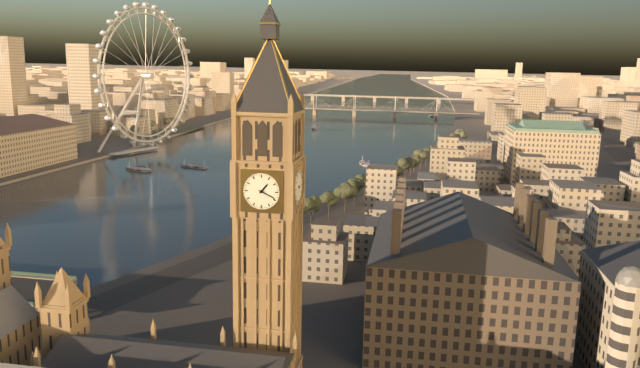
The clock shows **1:19**
